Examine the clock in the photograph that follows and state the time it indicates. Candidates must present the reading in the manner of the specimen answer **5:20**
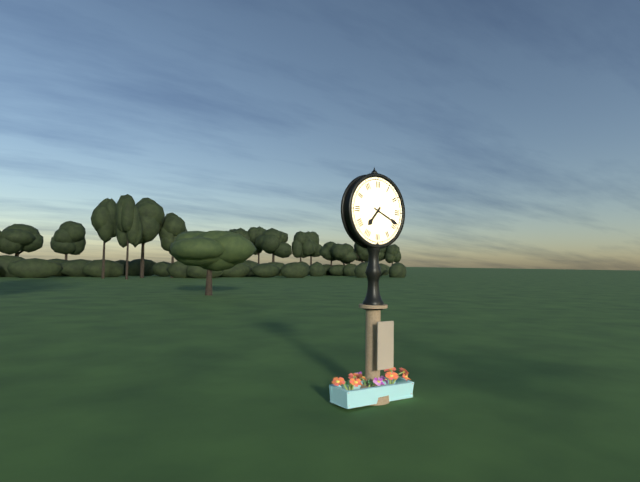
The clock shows **7:19**
